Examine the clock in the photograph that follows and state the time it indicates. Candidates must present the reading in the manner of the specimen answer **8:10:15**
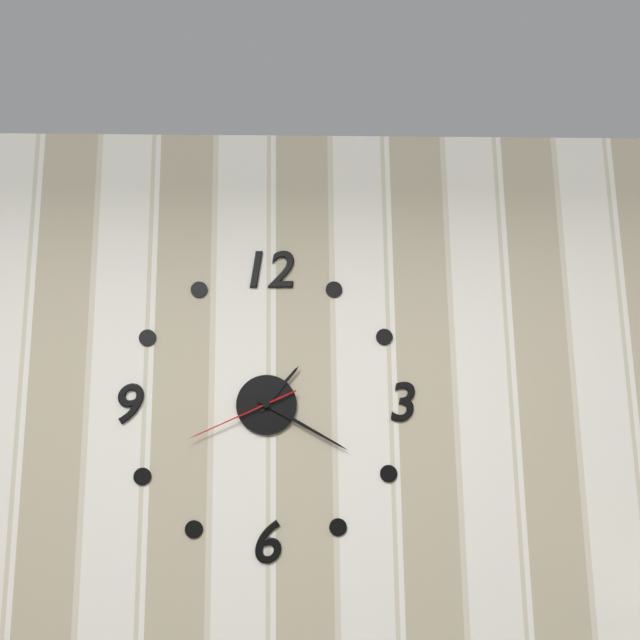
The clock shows **1:20:41**
